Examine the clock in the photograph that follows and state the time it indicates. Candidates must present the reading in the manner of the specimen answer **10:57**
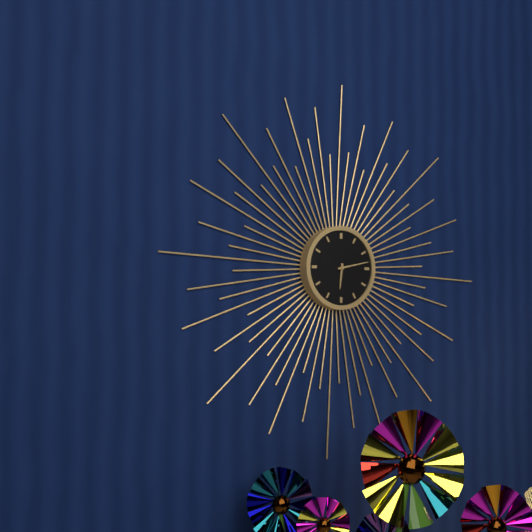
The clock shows **6:13**
